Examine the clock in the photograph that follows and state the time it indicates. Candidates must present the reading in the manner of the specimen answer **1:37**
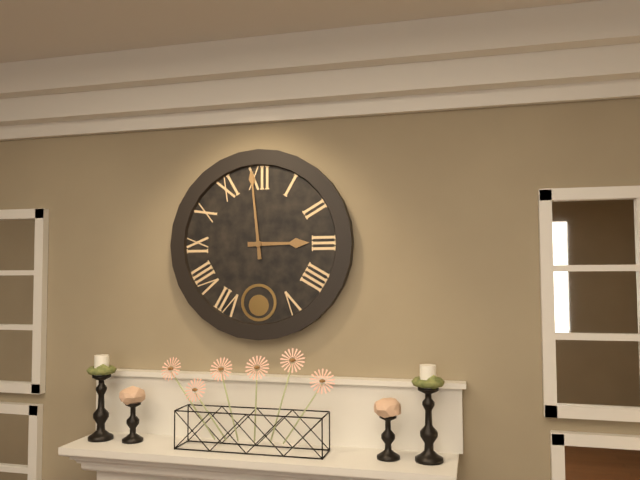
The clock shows **2:59**
